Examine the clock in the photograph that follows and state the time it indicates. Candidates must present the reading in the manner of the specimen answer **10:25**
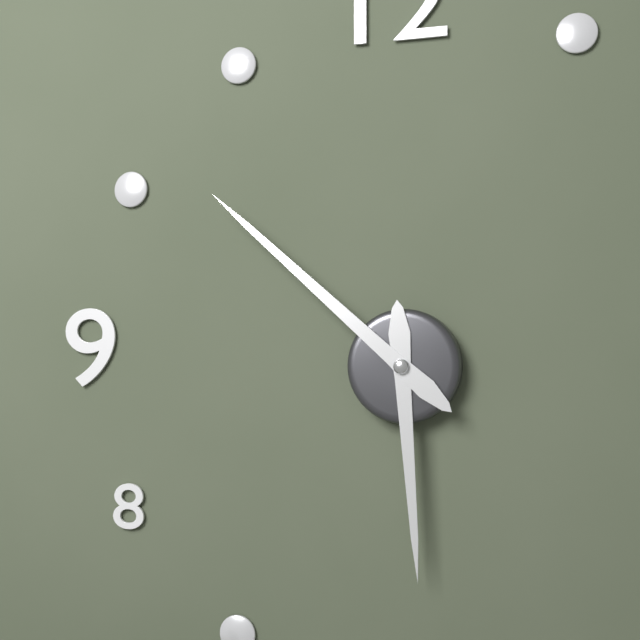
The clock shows **5:52**
